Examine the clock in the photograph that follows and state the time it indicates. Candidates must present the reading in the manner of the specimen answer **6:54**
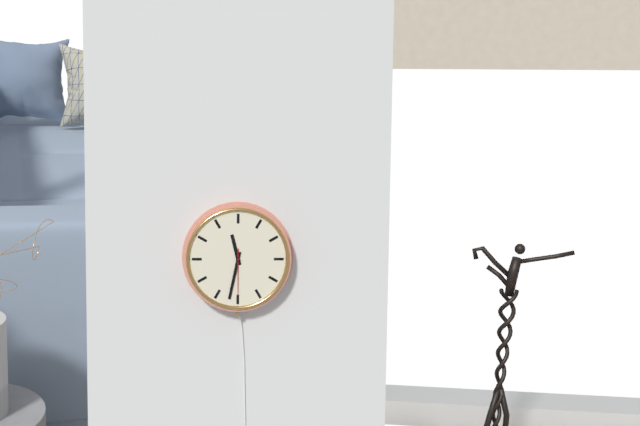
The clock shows **11:32**
